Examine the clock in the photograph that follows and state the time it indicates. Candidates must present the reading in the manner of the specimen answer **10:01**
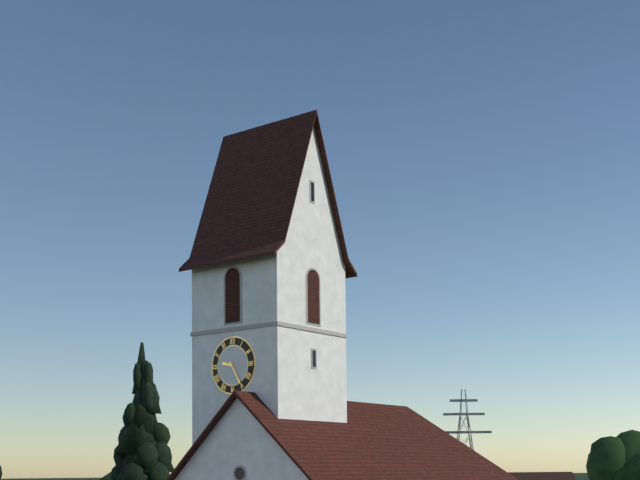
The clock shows **9:25**
